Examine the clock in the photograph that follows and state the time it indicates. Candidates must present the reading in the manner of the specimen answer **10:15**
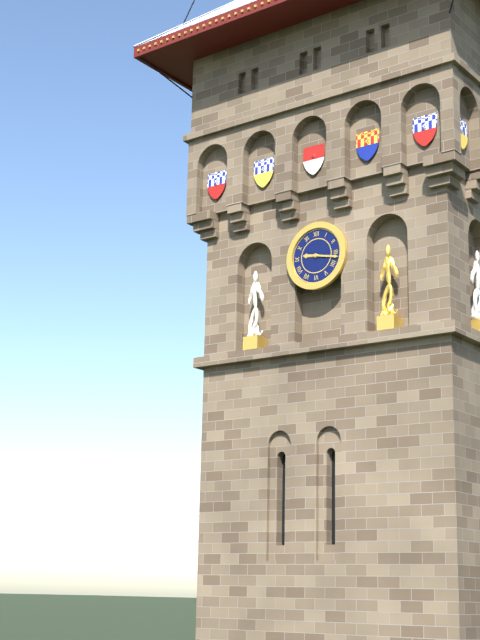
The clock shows **9:17**
